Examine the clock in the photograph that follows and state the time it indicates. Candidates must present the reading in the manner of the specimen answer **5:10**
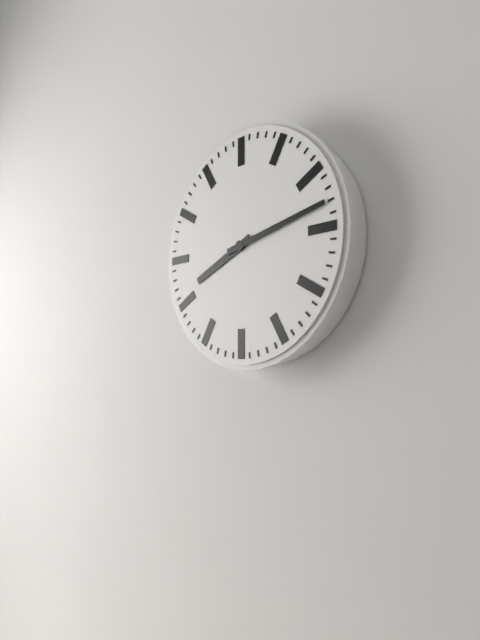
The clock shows **8:13**
